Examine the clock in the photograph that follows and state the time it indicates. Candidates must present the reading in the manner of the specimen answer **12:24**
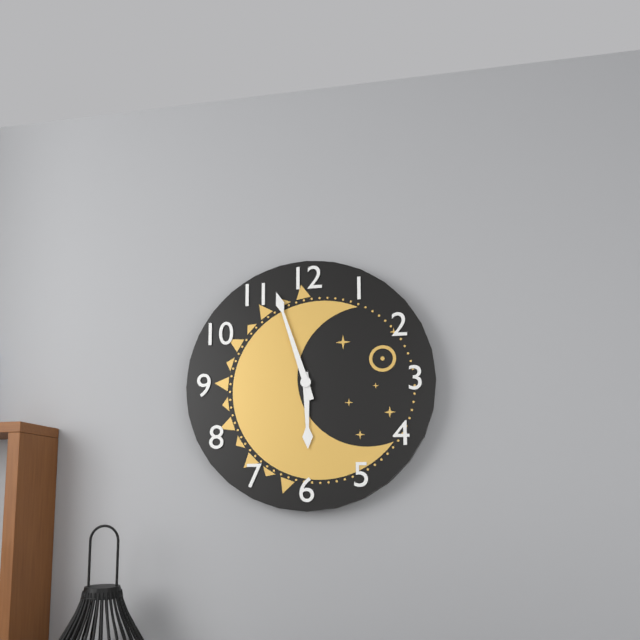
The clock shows **5:57**
